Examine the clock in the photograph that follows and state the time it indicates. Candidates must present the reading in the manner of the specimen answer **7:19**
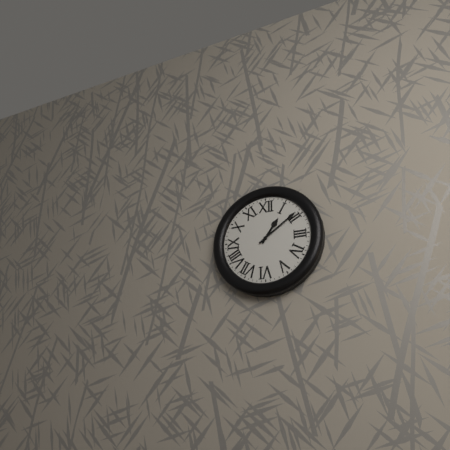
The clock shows **1:09**
